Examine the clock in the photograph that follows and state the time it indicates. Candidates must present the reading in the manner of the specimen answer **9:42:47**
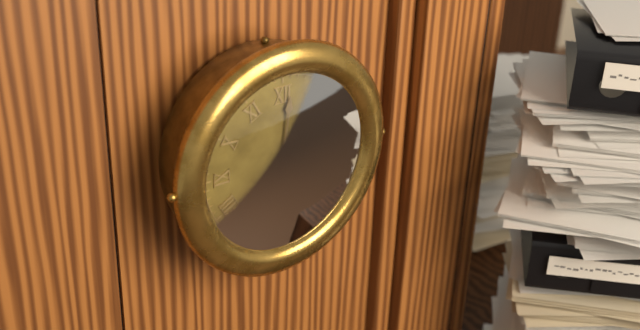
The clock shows **7:01:04**
